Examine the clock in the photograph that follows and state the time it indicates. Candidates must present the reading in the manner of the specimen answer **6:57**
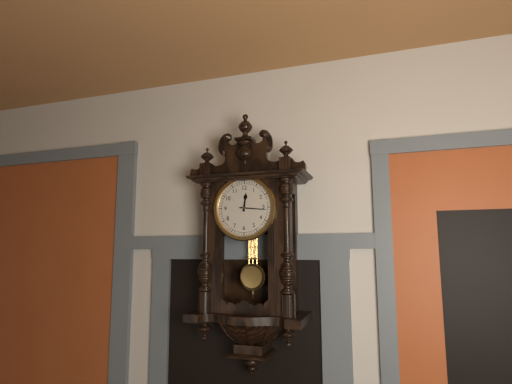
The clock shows **12:16**
